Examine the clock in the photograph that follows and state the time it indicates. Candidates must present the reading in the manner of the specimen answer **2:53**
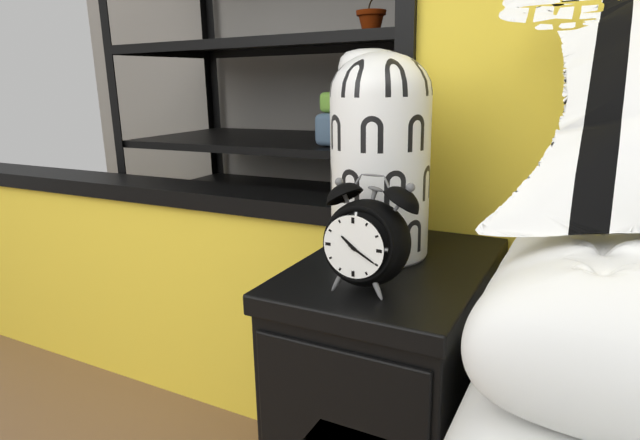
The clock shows **10:20**
